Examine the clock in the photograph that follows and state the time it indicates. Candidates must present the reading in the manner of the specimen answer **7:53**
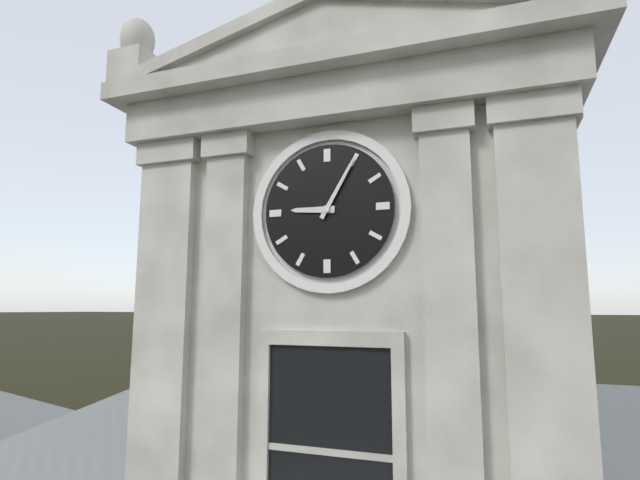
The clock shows **9:05**
